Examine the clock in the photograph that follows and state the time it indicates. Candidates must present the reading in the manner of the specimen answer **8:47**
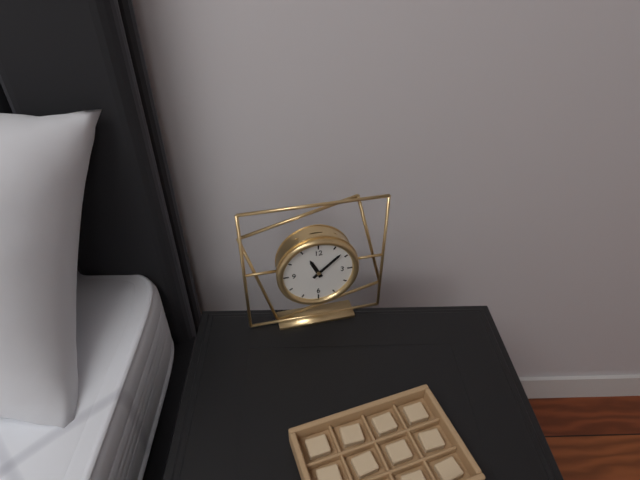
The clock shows **11:08**
